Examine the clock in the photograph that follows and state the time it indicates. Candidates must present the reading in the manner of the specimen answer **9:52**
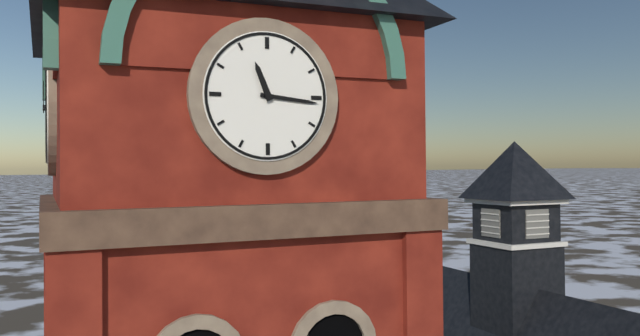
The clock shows **11:16**
